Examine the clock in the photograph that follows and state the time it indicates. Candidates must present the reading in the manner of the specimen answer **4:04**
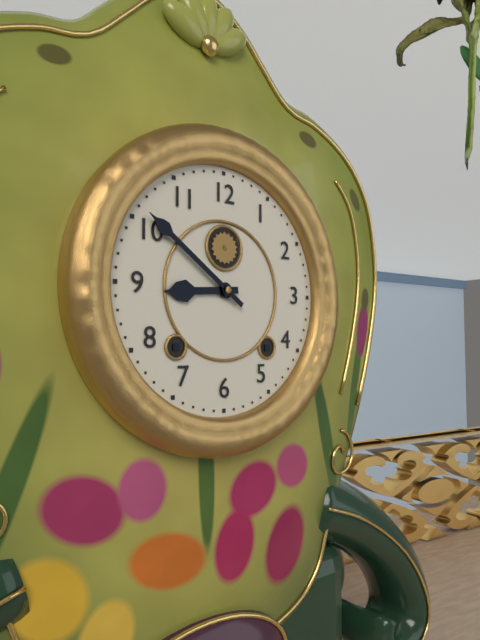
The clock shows **8:51**
